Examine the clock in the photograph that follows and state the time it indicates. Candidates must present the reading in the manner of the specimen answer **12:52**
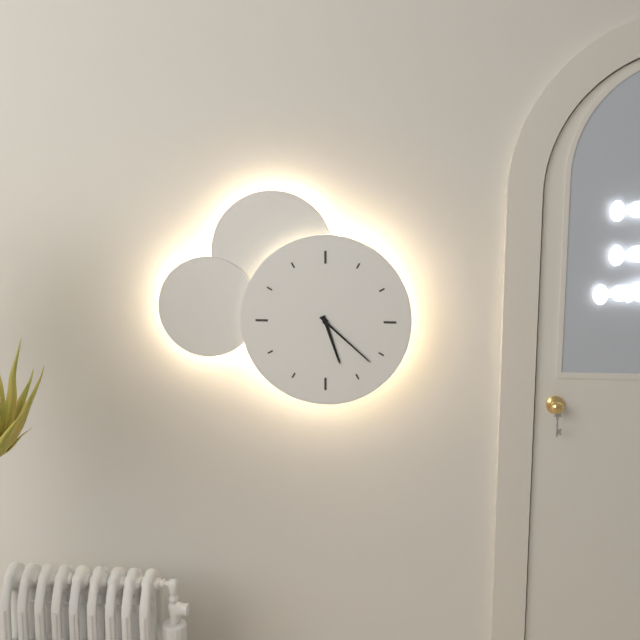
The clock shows **5:22**
